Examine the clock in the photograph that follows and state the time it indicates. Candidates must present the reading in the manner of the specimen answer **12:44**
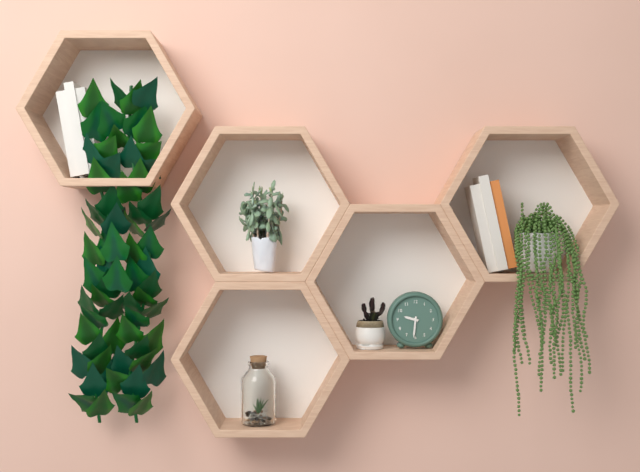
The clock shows **9:31**
